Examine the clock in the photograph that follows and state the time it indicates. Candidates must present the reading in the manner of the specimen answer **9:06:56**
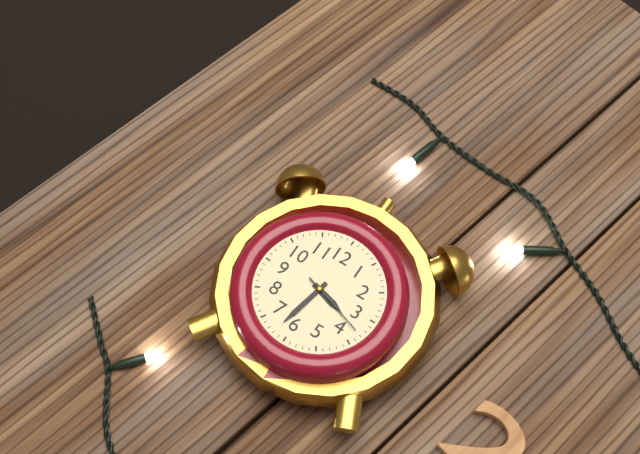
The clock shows **3:32:18**
